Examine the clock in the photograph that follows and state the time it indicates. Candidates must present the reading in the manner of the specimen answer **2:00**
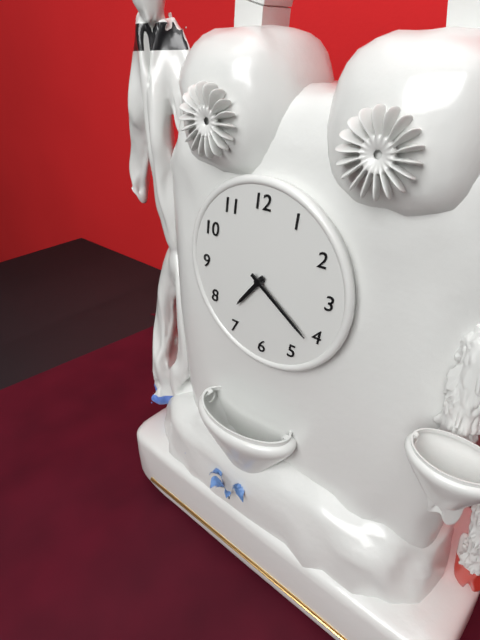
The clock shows **7:21**
